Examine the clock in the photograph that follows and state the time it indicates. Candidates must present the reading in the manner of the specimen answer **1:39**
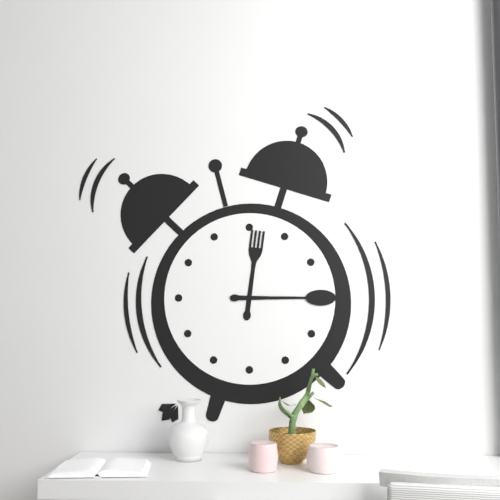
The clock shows **12:15**
